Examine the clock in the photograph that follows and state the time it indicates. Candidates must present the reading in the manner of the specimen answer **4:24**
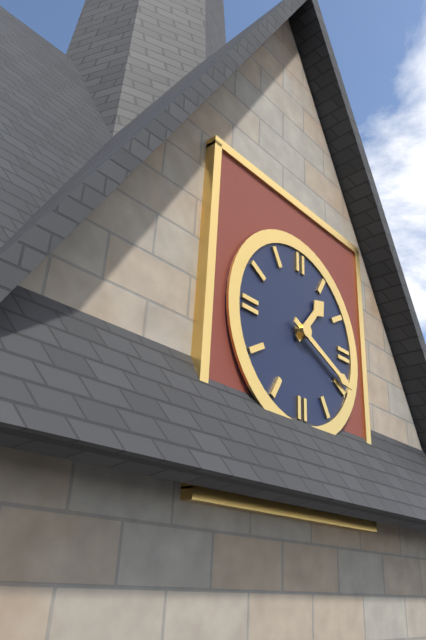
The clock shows **1:19**
